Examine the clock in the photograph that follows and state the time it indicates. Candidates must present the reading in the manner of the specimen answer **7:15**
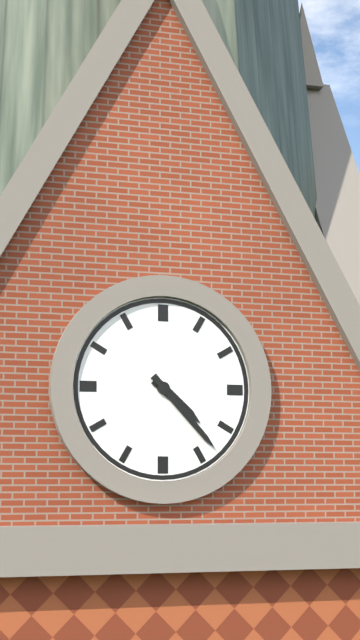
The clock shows **4:23**
